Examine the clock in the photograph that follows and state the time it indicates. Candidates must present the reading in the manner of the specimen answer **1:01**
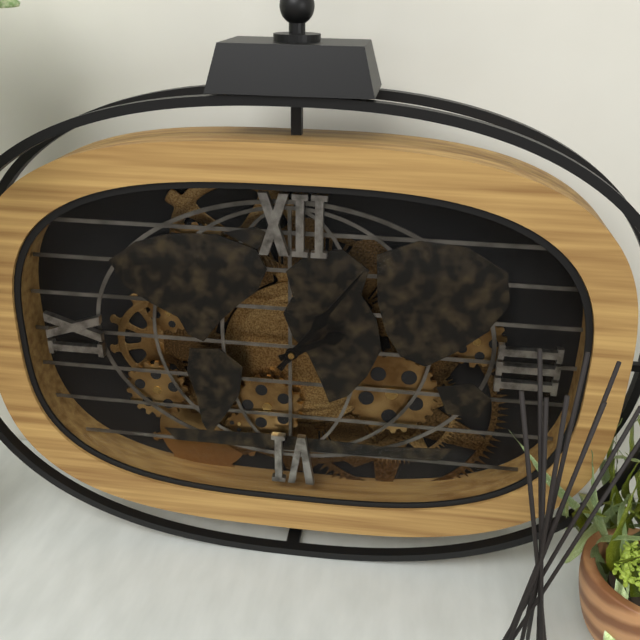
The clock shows **2:06**
